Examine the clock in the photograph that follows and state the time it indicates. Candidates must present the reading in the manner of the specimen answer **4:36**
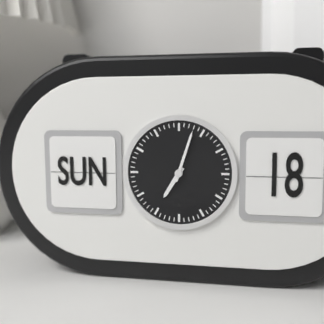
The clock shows **7:03**
